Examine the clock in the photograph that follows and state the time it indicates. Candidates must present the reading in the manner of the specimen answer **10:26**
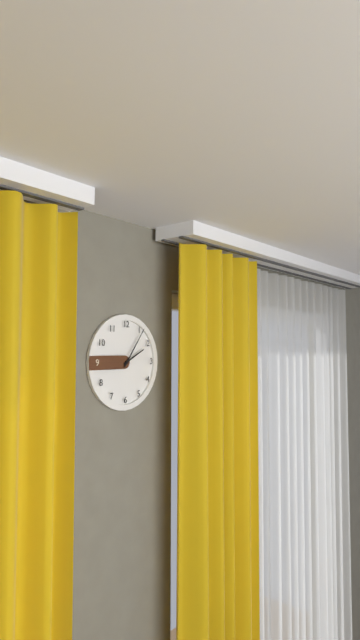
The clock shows **2:06**
